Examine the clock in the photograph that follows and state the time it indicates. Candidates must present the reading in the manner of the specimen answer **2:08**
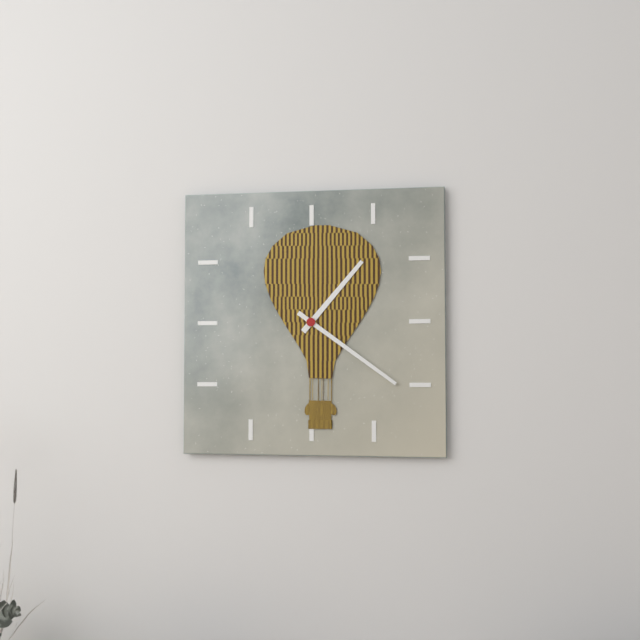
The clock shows **1:21**
